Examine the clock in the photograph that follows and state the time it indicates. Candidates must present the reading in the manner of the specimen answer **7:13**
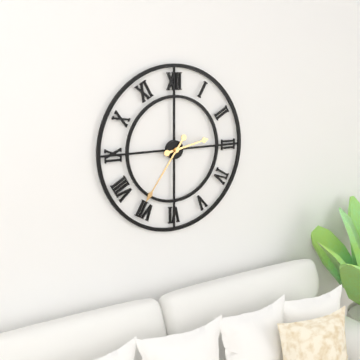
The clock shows **2:36**
